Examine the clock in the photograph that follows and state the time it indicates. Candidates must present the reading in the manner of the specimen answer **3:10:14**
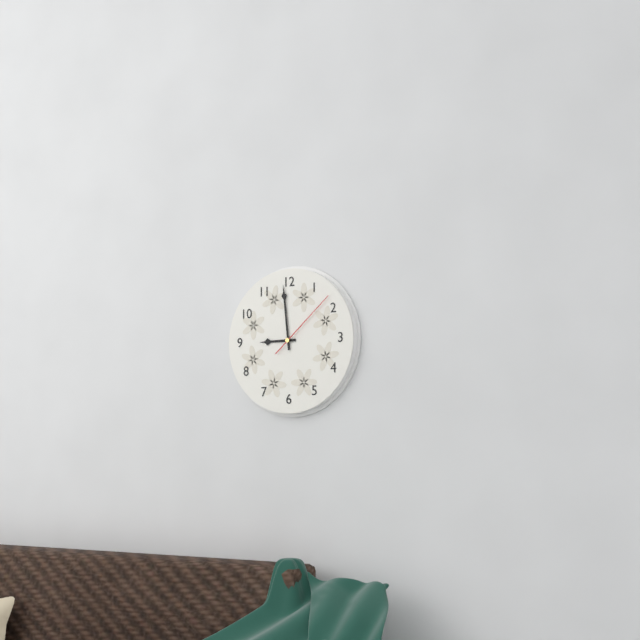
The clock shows **8:59:08**
